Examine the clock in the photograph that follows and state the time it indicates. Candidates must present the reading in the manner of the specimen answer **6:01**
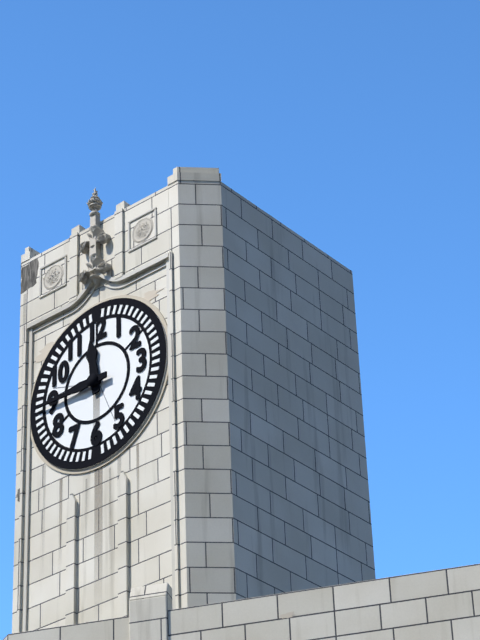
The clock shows **11:45**
